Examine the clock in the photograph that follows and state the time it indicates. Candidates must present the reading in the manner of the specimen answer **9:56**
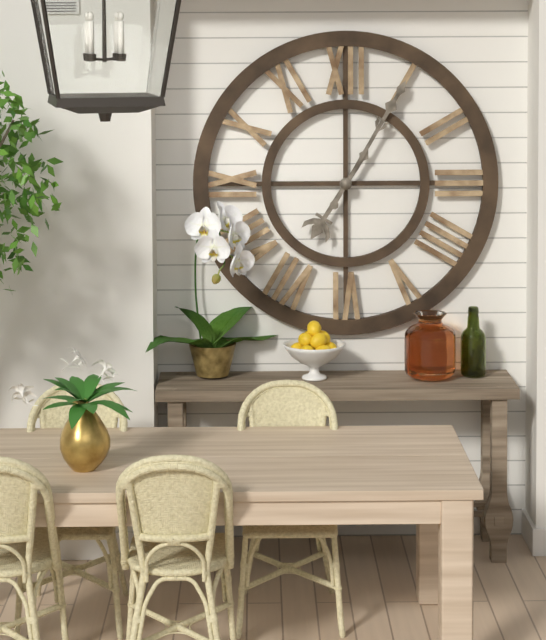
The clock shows **7:05**
